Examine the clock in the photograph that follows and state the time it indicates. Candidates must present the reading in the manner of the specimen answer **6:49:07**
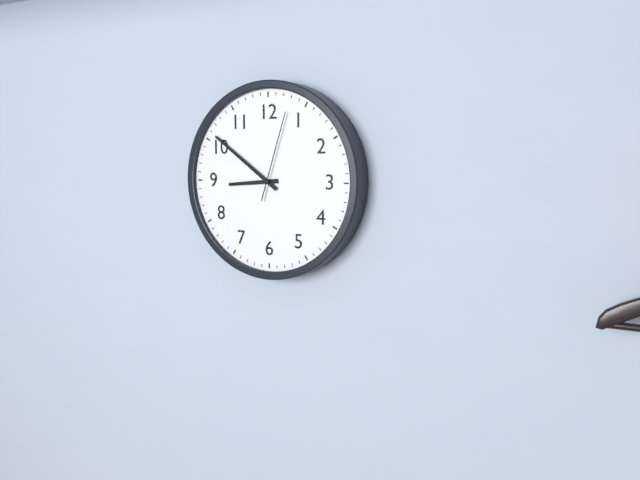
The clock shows **8:51:03**
